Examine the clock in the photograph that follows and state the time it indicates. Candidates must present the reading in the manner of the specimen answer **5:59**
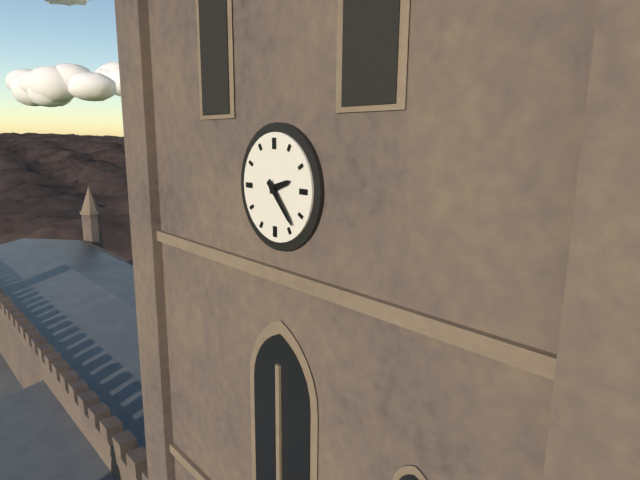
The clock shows **2:23**
